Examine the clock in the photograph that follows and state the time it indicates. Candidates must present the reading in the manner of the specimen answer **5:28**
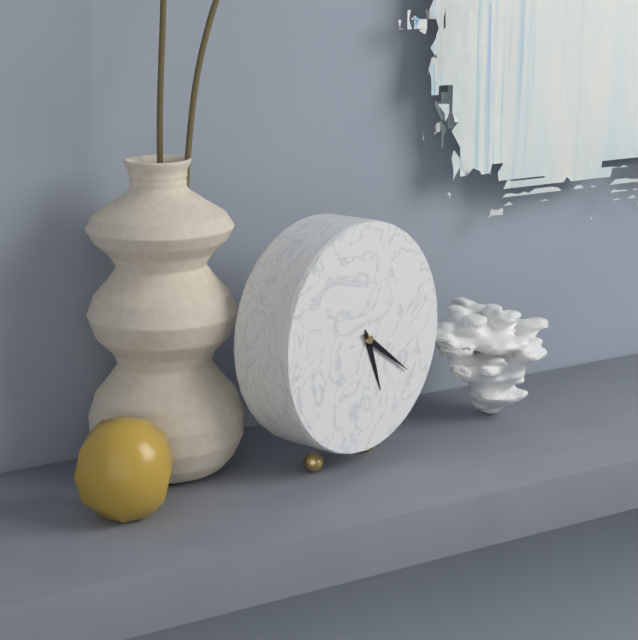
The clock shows **5:21**
